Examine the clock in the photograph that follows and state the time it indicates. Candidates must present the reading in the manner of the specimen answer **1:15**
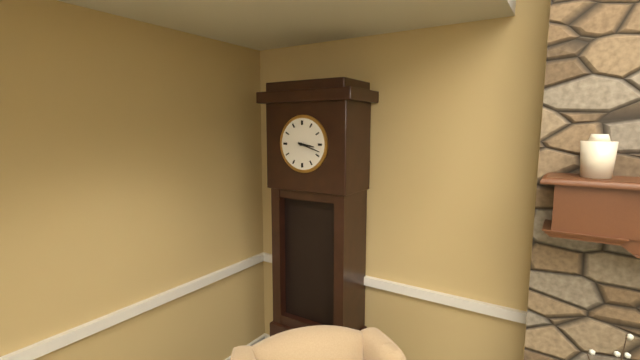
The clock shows **3:18**
